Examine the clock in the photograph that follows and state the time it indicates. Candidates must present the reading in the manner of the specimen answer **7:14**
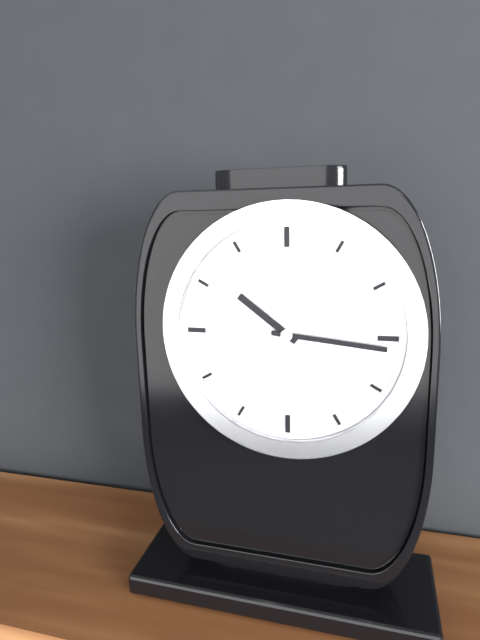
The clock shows **10:16**
